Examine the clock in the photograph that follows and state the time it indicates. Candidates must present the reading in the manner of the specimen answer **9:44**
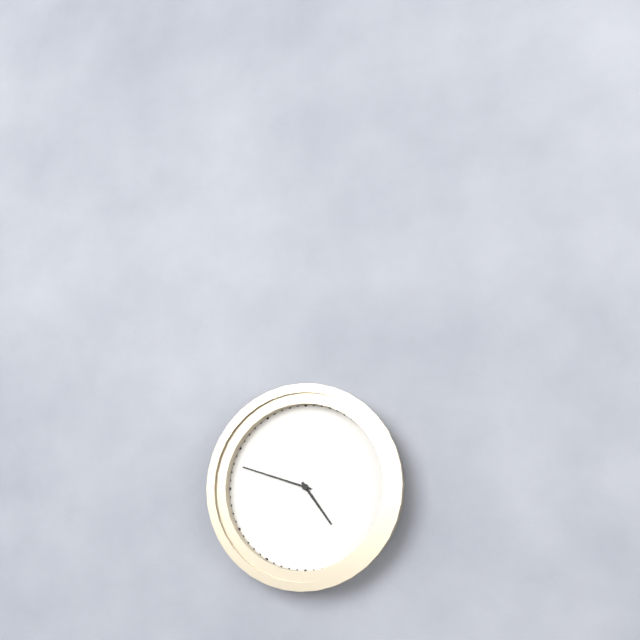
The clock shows **4:48**
